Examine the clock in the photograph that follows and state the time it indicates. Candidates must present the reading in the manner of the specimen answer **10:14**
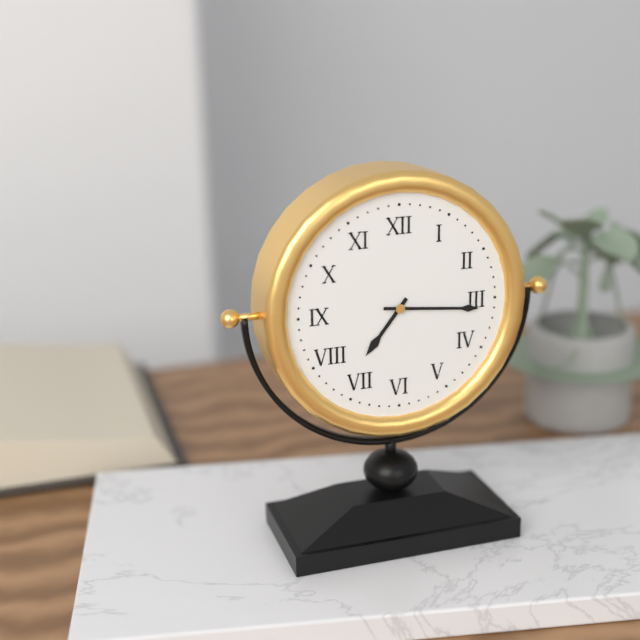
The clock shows **7:16**
